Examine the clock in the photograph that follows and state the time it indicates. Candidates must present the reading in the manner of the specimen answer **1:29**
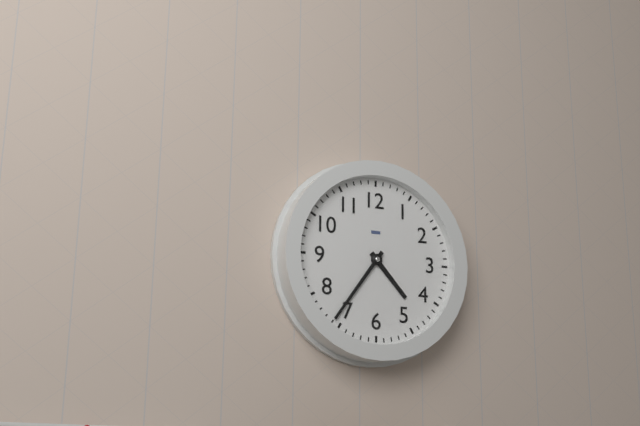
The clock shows **4:36**
